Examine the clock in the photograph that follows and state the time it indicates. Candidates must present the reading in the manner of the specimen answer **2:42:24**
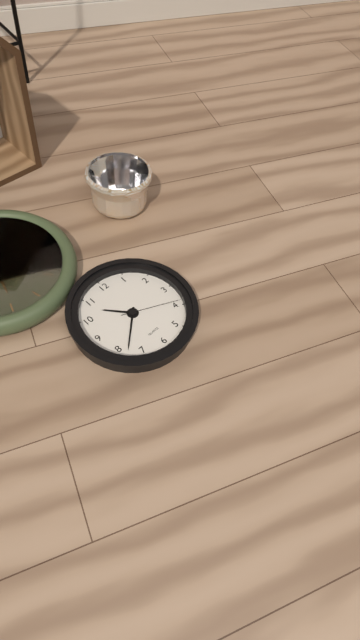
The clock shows **10:38:19**
